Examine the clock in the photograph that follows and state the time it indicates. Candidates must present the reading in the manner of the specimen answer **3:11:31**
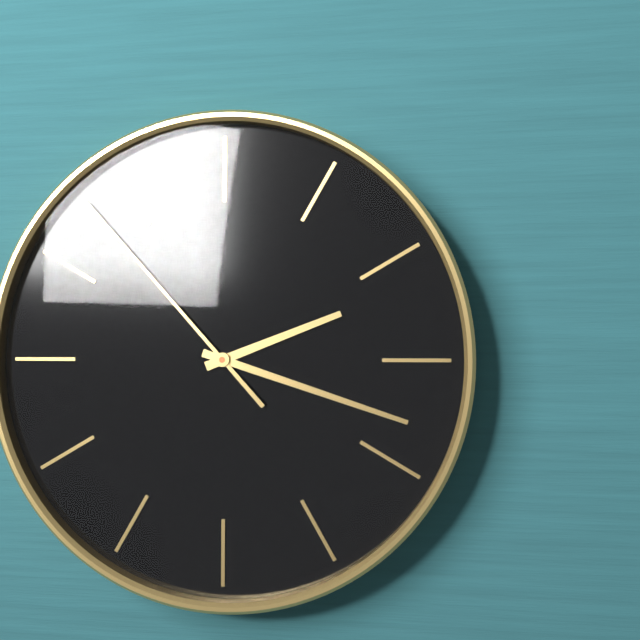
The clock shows **2:18:53**
